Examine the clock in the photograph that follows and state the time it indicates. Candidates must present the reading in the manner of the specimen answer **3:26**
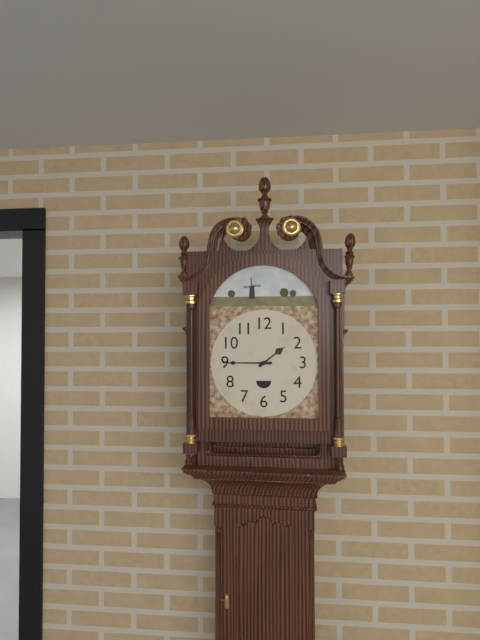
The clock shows **1:45**
